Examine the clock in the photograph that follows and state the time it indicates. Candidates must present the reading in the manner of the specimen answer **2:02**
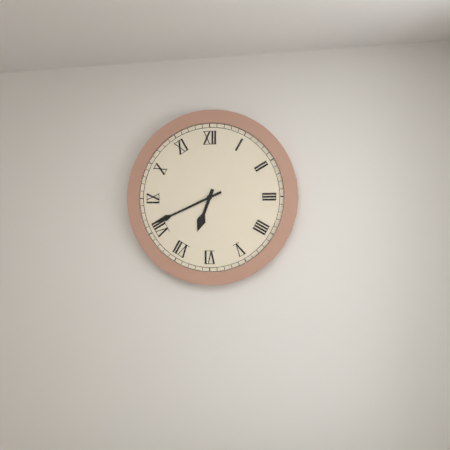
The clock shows **6:41**
